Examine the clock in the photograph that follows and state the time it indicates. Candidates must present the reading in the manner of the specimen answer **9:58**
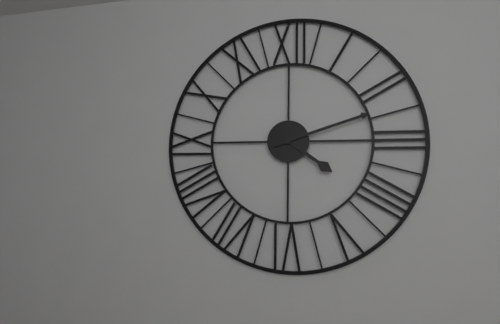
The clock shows **4:12**
